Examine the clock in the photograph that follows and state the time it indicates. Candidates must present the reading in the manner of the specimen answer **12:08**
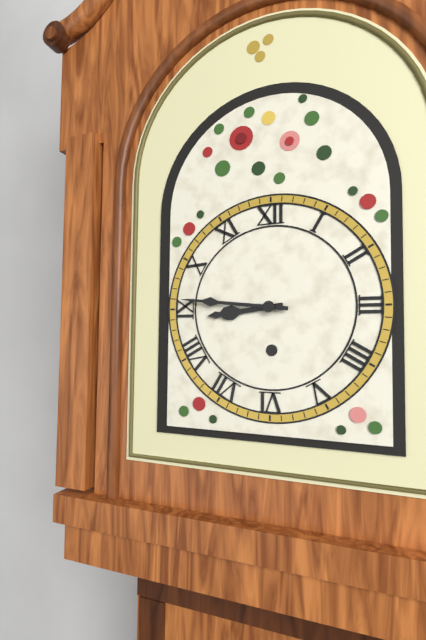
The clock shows **8:46**
